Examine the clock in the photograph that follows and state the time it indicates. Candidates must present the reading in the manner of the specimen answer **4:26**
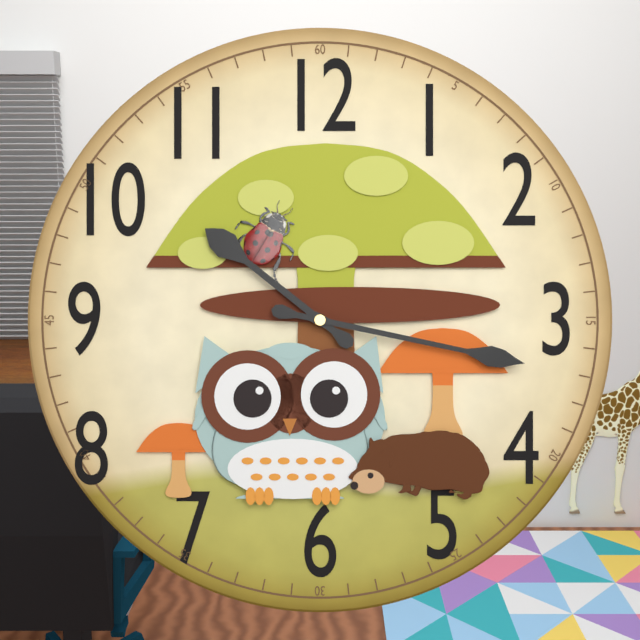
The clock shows **10:17**
